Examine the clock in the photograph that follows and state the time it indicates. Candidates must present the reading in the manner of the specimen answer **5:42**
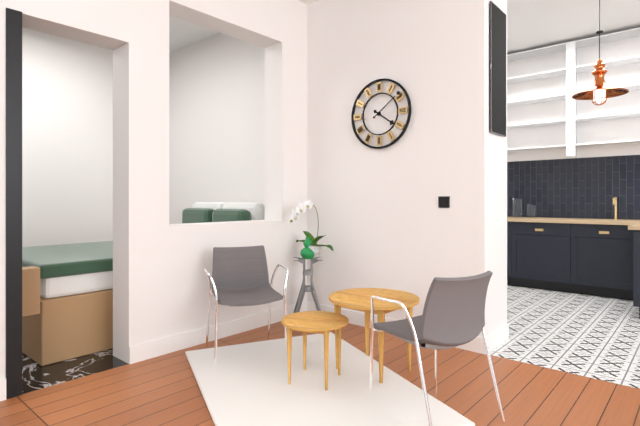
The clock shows **4:09**
